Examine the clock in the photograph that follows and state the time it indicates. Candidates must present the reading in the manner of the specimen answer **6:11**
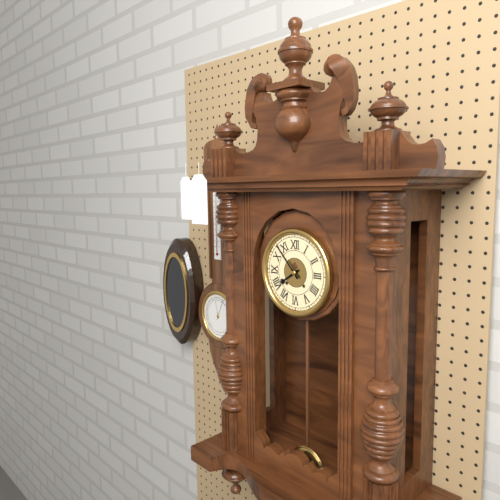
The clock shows **7:53**
